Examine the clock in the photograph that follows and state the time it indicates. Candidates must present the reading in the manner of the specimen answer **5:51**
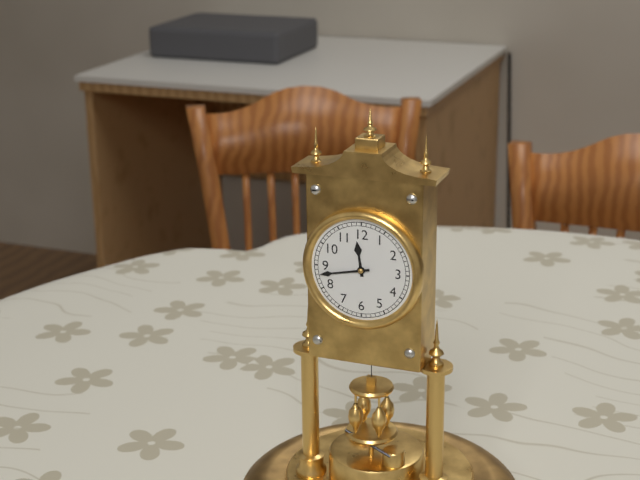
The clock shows **11:43**
